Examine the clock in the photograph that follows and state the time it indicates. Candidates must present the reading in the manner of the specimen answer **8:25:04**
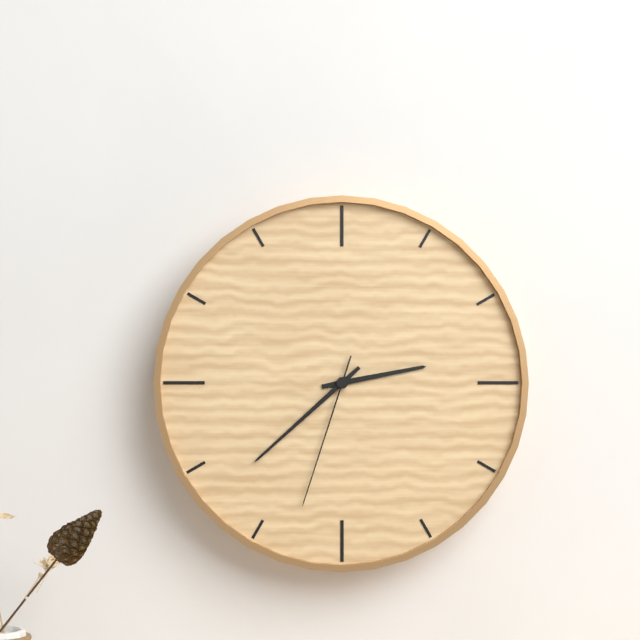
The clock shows **2:38:33**
